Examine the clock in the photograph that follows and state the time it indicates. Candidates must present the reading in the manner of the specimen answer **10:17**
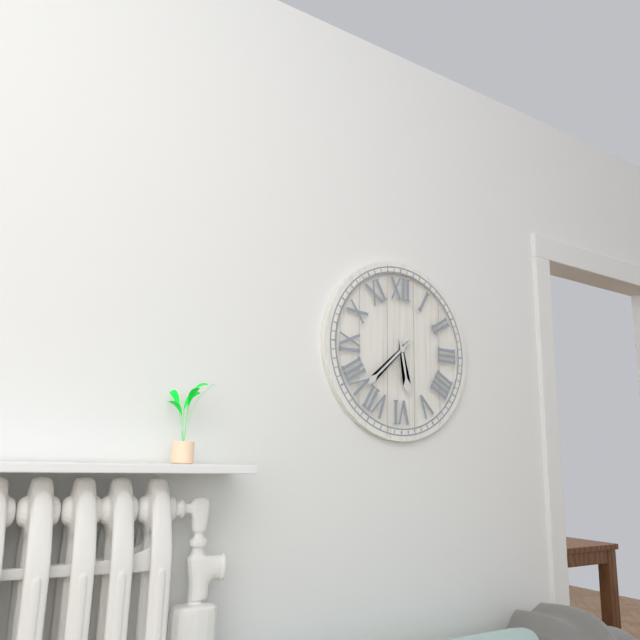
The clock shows **5:38**
